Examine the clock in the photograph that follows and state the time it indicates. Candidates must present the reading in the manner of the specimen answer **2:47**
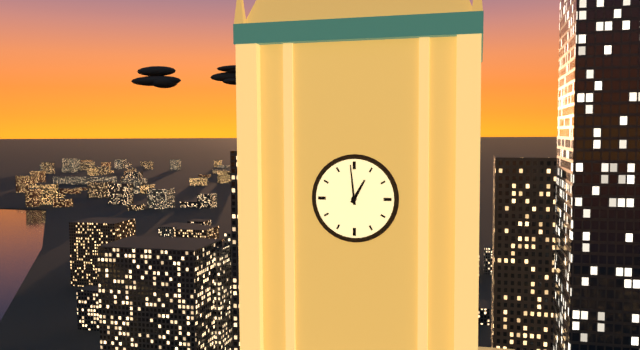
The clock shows **12:59**
